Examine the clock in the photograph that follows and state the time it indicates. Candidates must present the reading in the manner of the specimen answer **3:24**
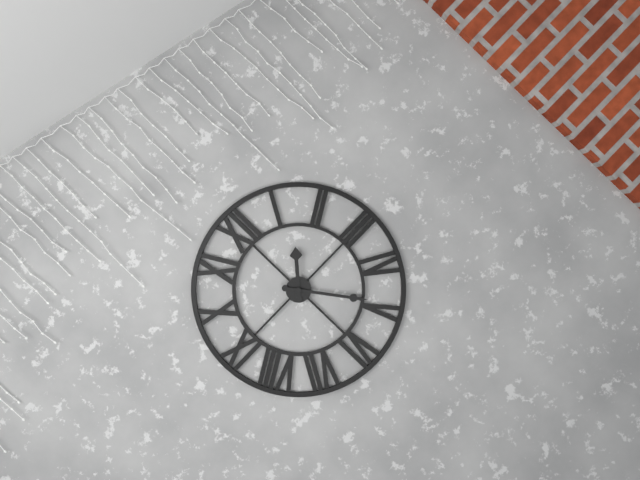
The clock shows **1:24**
